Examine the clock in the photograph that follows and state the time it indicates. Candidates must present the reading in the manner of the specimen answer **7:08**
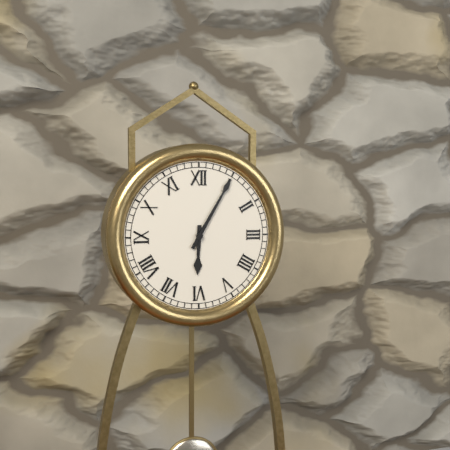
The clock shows **6:05**
